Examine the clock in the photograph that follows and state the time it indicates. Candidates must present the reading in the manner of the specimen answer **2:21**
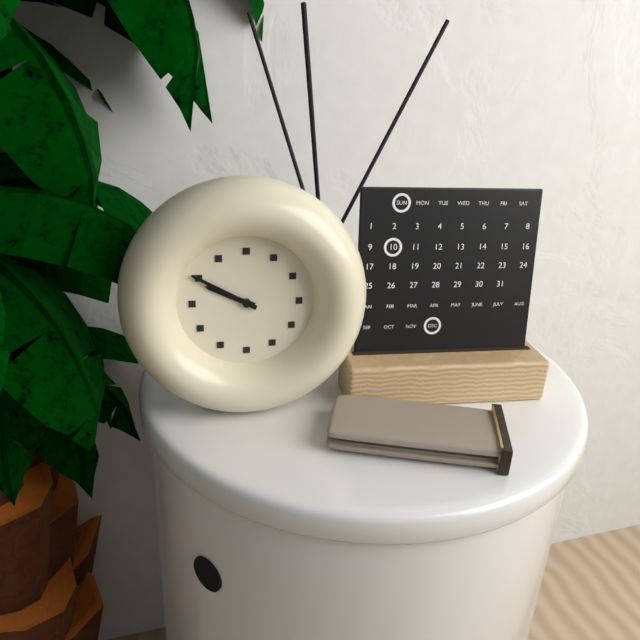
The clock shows **9:50**
